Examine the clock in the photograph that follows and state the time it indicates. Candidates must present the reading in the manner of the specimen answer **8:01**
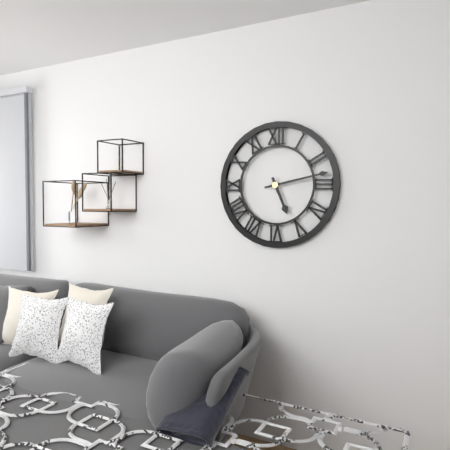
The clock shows **5:13**
